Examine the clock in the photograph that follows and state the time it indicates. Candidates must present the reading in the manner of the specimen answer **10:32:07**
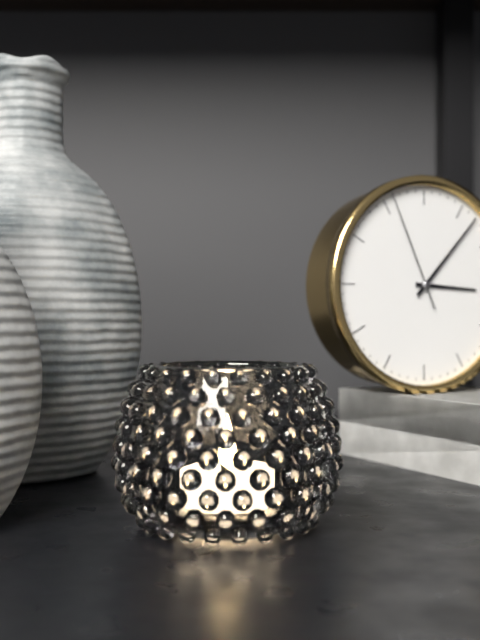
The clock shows **3:07:56**
